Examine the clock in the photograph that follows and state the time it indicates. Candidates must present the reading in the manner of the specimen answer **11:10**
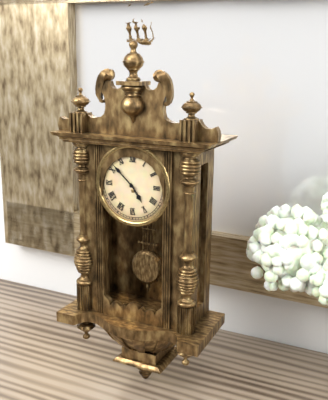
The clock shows **4:52**
